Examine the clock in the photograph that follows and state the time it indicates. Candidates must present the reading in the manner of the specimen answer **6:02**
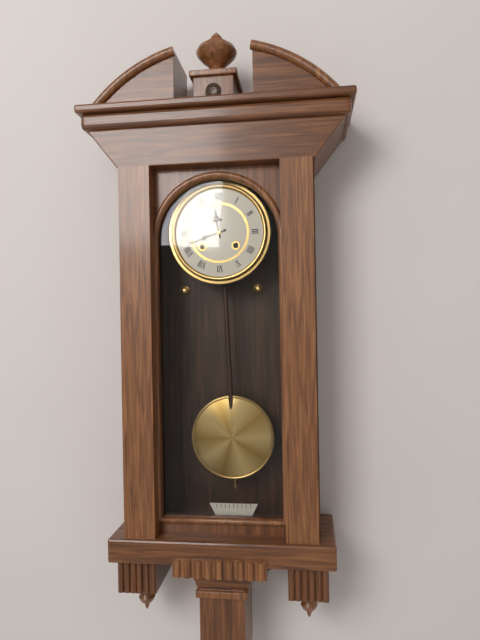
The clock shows **11:42**
